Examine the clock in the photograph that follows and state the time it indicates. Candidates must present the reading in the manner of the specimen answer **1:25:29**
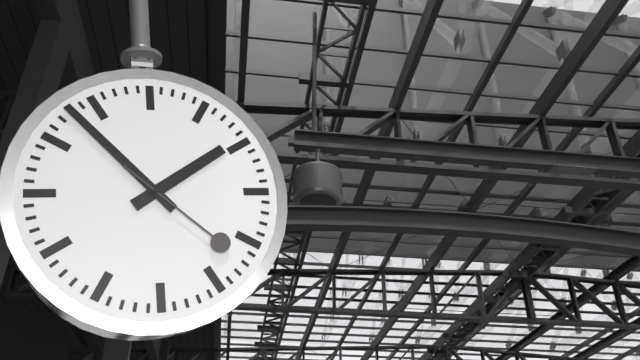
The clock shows **1:53:22**
